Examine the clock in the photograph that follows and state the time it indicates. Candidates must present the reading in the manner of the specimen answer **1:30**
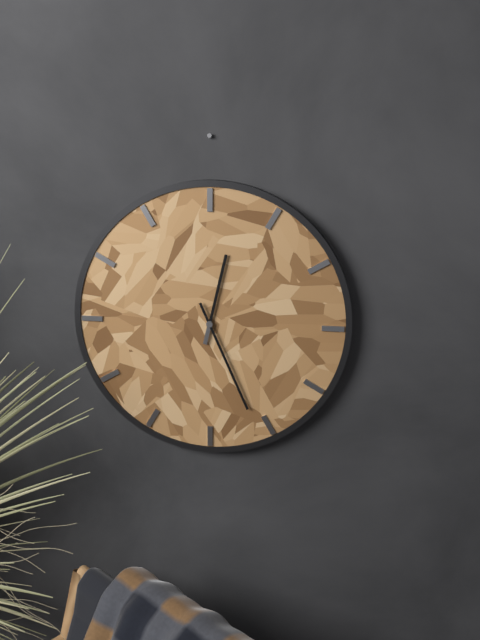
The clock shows **12:26**
